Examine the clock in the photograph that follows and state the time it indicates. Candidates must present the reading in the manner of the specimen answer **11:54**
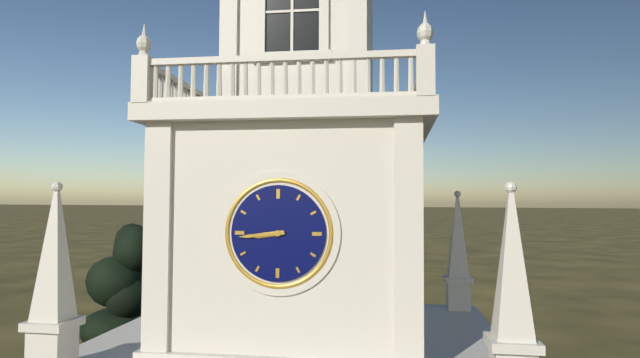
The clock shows **8:44**
